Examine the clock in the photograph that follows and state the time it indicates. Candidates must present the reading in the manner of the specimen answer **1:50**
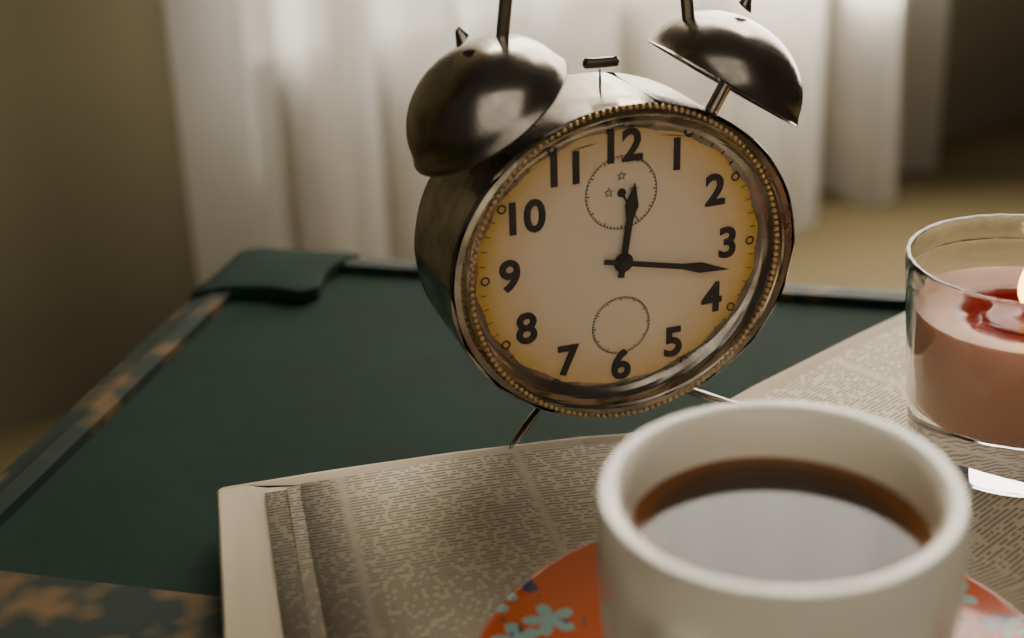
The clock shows **12:17**
